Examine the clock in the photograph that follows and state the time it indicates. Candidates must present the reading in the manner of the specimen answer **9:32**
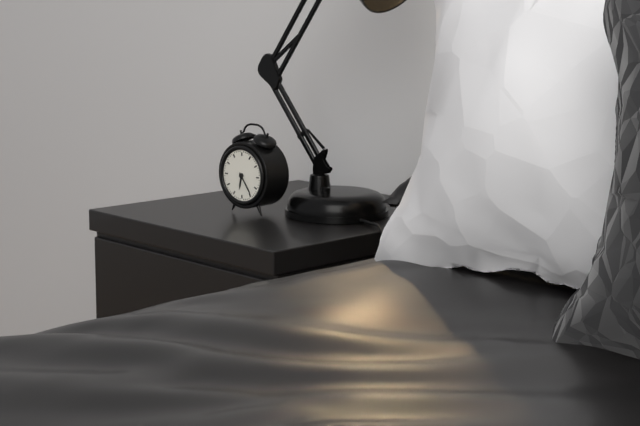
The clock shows **6:24**
